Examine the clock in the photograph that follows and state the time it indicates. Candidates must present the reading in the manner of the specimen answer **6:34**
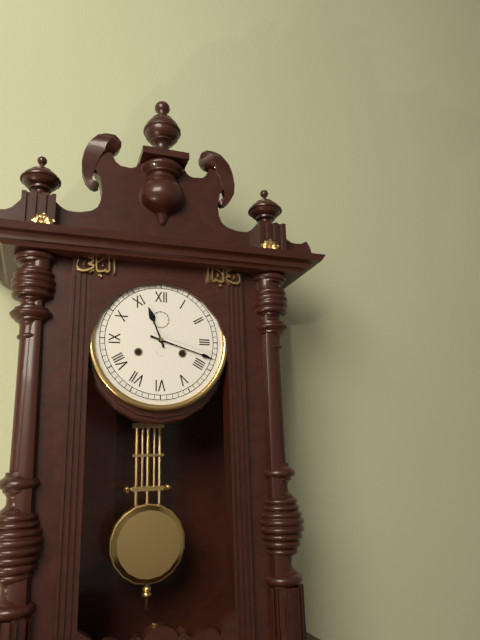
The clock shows **11:18**
